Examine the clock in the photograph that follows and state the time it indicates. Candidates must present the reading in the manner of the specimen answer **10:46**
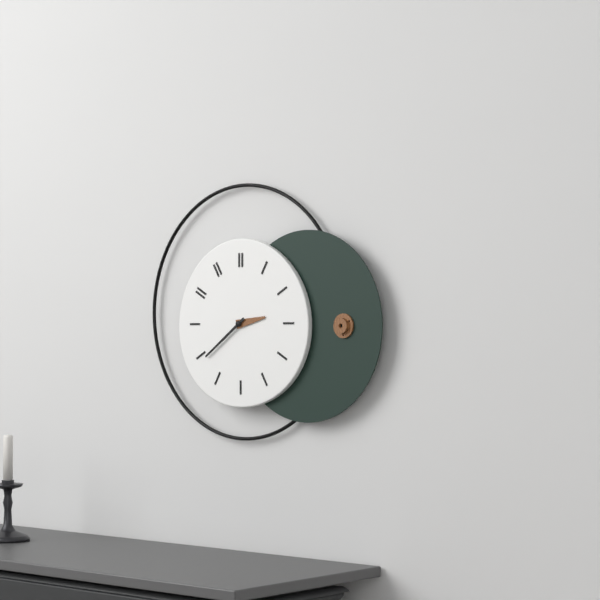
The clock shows **2:39**
